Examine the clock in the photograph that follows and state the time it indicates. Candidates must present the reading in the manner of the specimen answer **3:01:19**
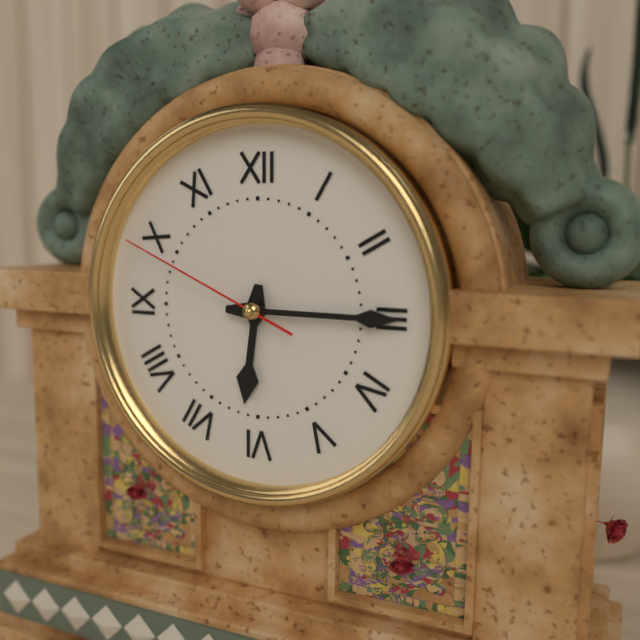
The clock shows **6:15:49**
